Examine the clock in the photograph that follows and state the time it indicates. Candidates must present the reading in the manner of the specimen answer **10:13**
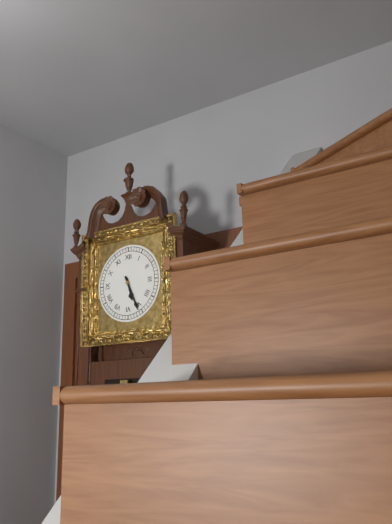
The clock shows **5:26**
